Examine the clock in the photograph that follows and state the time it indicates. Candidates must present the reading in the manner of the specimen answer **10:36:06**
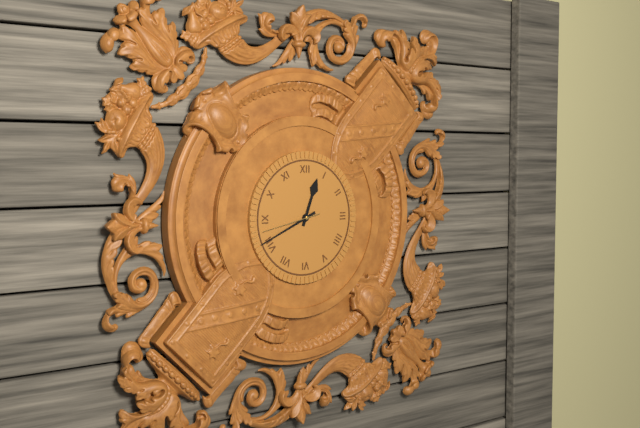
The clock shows **12:41:43**
